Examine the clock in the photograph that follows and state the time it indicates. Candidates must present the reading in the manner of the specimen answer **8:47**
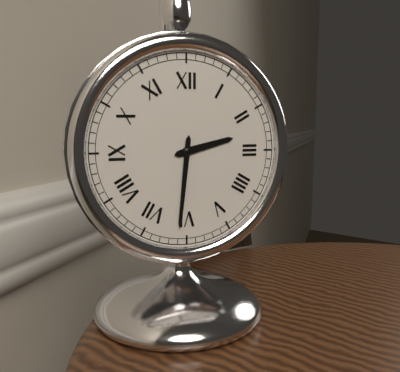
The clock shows **2:31**
